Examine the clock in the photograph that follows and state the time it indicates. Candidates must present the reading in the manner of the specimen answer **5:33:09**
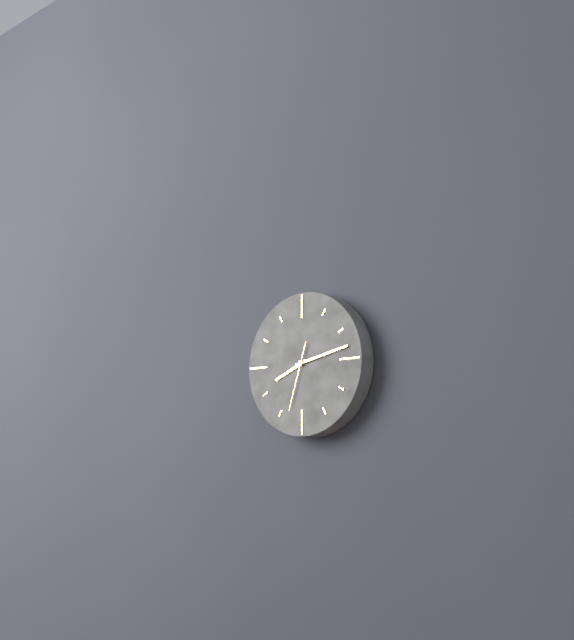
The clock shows **8:13:33**
